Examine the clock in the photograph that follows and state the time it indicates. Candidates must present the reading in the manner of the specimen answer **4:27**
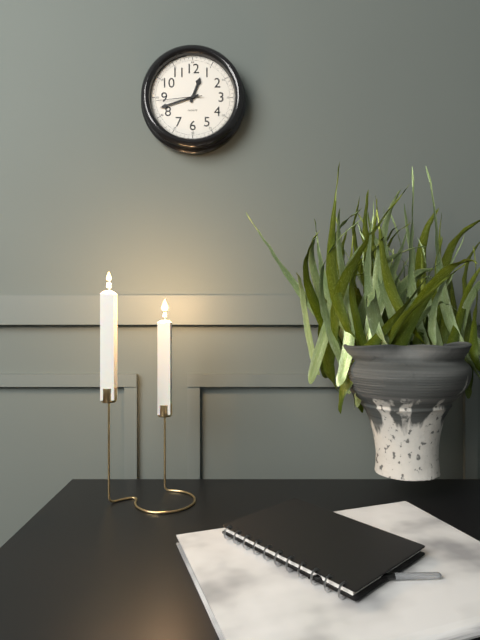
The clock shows **12:42**
